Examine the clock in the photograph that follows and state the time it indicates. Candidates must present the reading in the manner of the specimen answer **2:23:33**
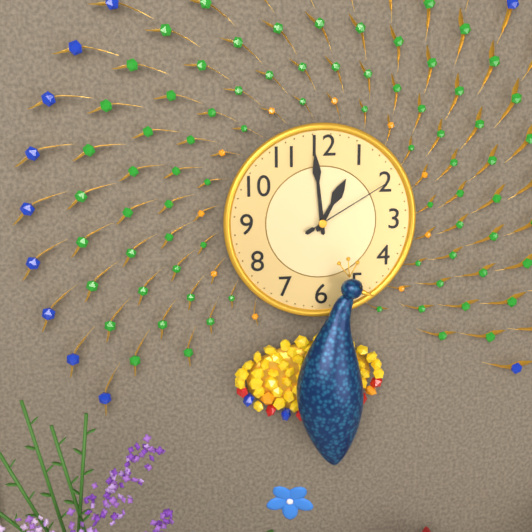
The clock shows **12:59:10**
